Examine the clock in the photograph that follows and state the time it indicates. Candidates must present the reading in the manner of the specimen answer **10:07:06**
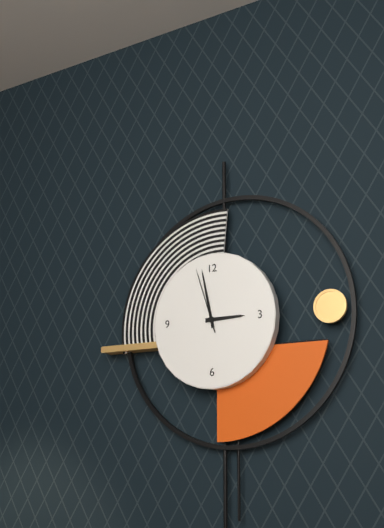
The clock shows **2:58:57**
